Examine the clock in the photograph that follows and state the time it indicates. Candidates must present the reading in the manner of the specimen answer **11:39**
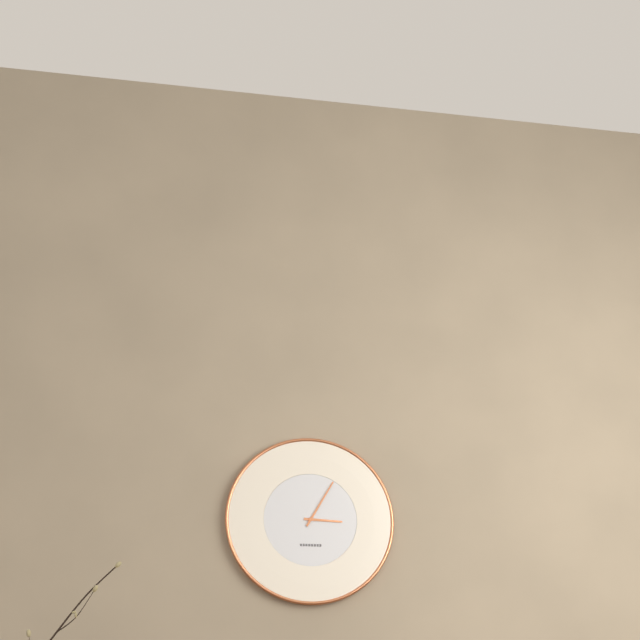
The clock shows **3:05**
